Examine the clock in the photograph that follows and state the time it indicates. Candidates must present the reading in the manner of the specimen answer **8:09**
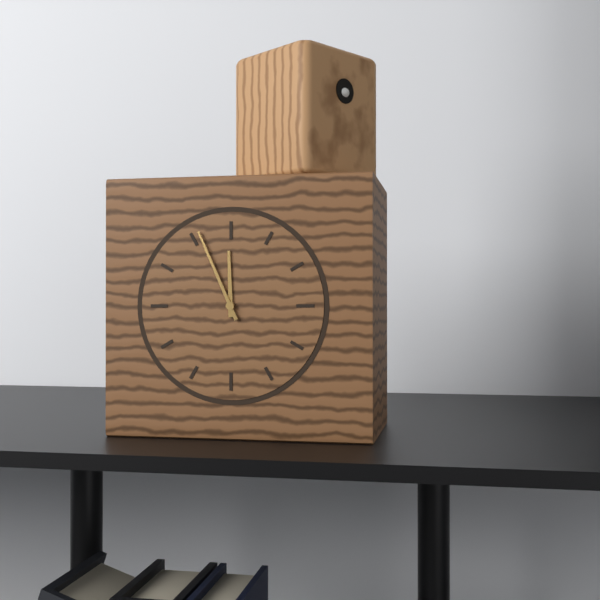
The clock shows **11:56**
